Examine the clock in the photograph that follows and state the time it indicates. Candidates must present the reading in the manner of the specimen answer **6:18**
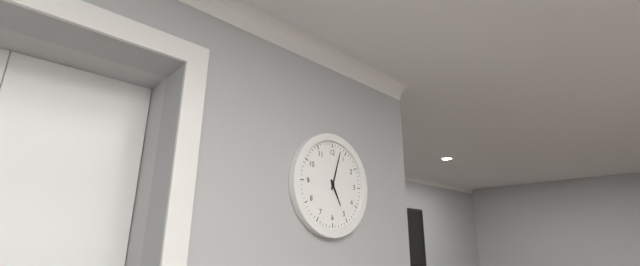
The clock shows **5:03**
